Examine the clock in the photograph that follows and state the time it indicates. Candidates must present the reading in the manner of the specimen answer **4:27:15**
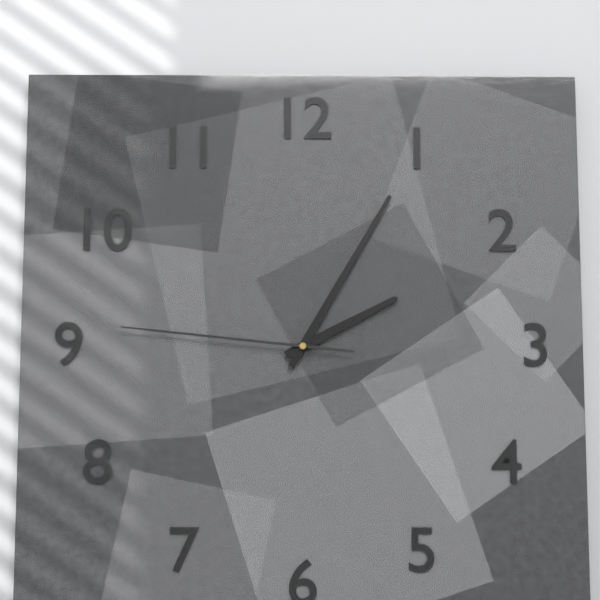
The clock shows **2:05:46**
